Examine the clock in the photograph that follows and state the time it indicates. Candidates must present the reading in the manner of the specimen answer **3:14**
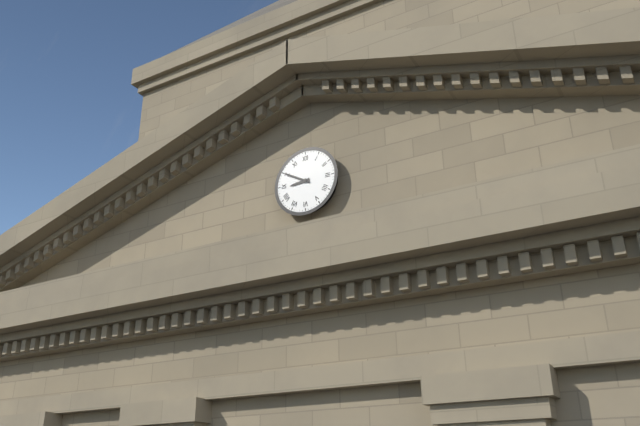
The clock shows **8:50**
